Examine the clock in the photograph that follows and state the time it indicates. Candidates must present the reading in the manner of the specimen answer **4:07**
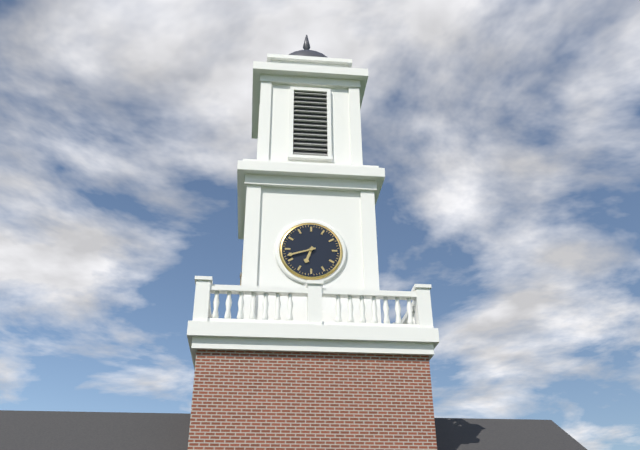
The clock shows **6:42**
